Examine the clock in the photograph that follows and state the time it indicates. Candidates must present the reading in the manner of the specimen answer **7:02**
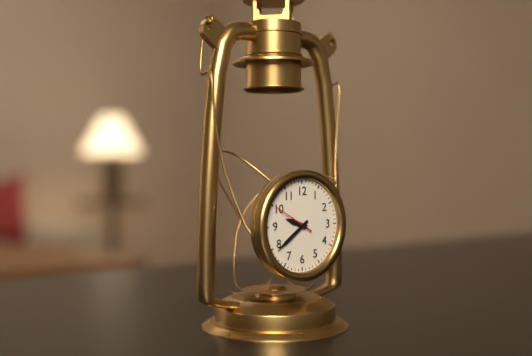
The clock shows **9:39**
